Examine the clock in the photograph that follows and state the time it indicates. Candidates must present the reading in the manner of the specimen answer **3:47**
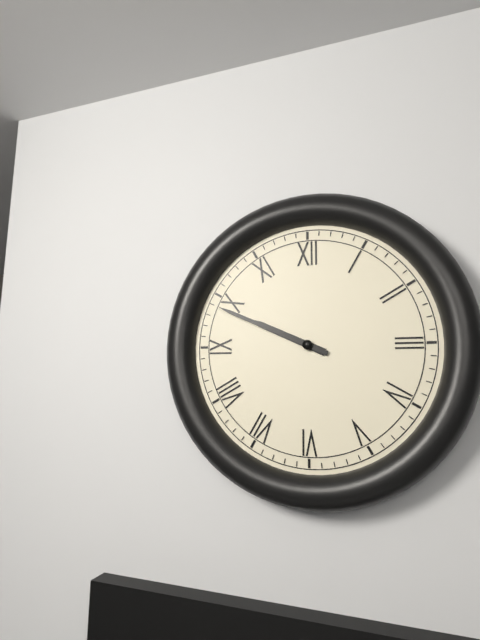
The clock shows **9:49**
